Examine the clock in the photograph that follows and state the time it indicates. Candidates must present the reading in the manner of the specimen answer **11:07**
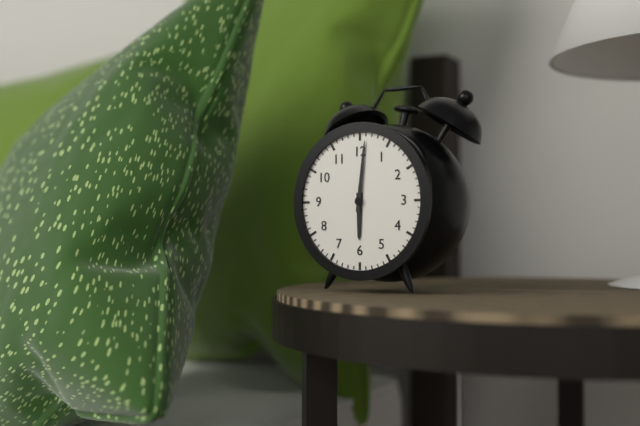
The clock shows **6:01**
